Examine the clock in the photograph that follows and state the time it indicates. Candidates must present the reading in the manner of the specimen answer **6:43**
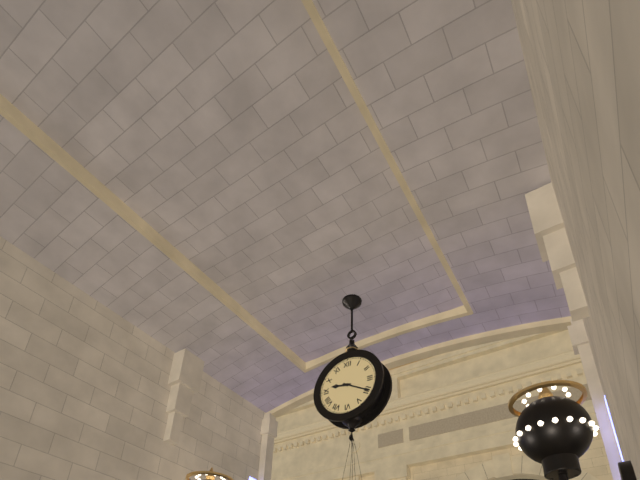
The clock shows **9:20**
